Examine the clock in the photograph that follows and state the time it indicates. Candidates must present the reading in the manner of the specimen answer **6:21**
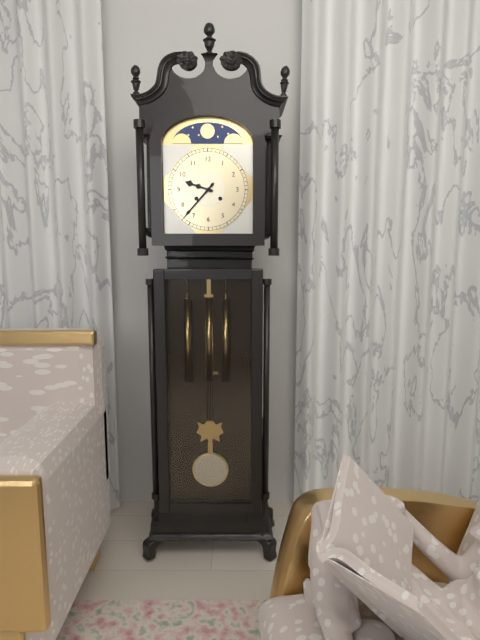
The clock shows **9:37**
